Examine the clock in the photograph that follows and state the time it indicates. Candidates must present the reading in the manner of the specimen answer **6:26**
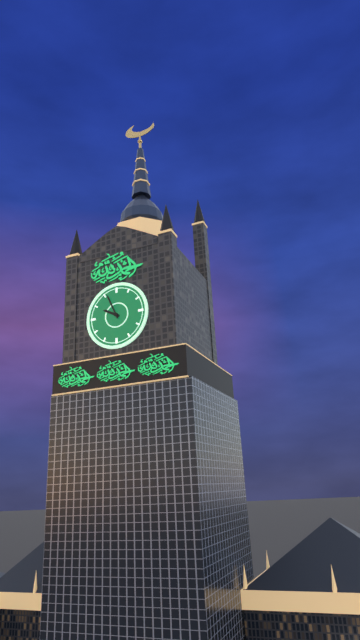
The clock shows **9:56**
